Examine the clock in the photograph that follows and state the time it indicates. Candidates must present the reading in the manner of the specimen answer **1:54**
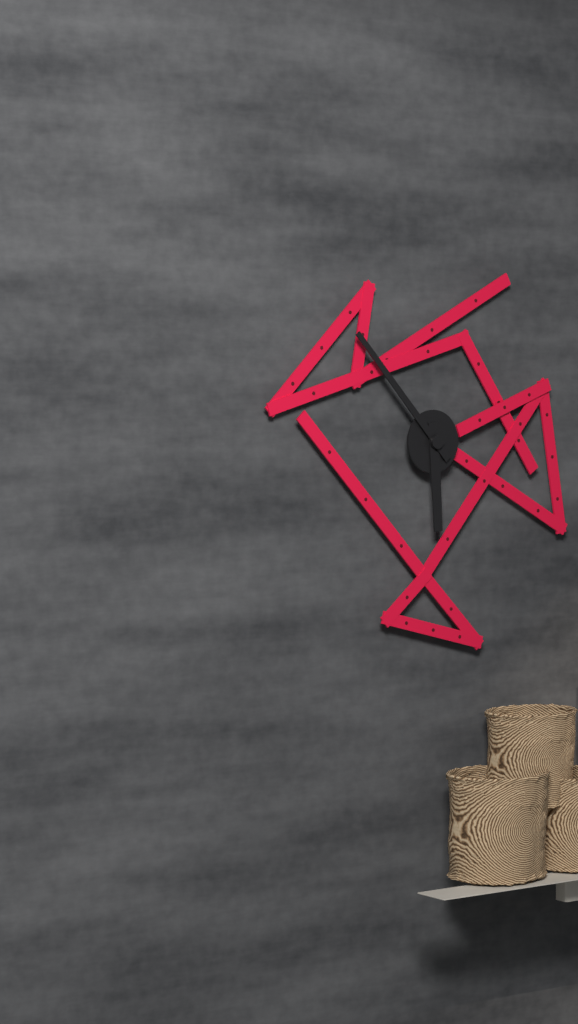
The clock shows **5:53**
